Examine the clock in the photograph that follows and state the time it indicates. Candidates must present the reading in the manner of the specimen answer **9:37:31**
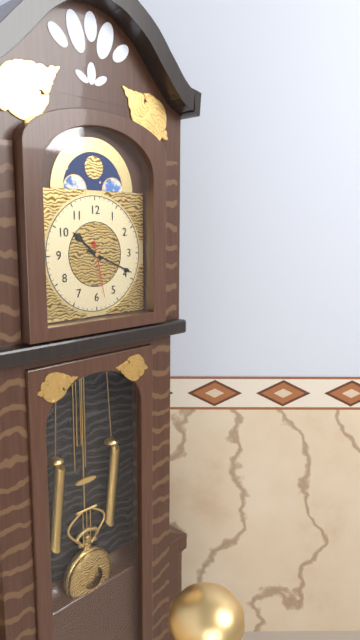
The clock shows **10:19:28**
